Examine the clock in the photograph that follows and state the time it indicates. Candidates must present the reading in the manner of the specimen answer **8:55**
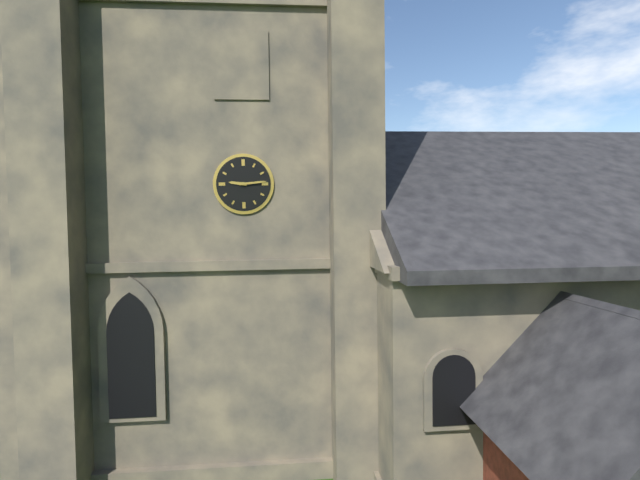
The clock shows **9:14**
